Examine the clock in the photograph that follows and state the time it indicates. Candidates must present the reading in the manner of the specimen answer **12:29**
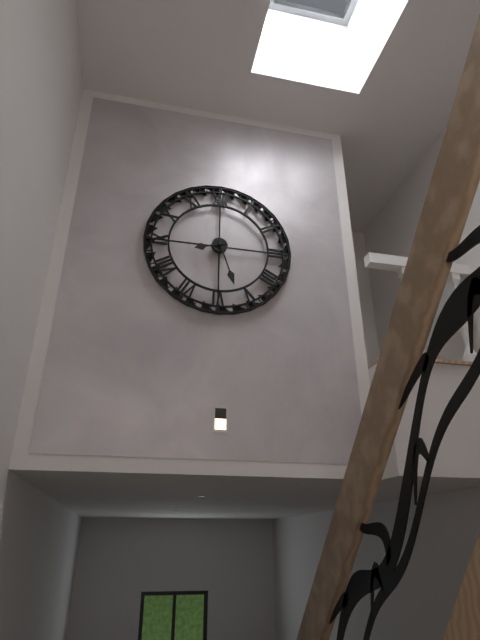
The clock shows **8:27**
